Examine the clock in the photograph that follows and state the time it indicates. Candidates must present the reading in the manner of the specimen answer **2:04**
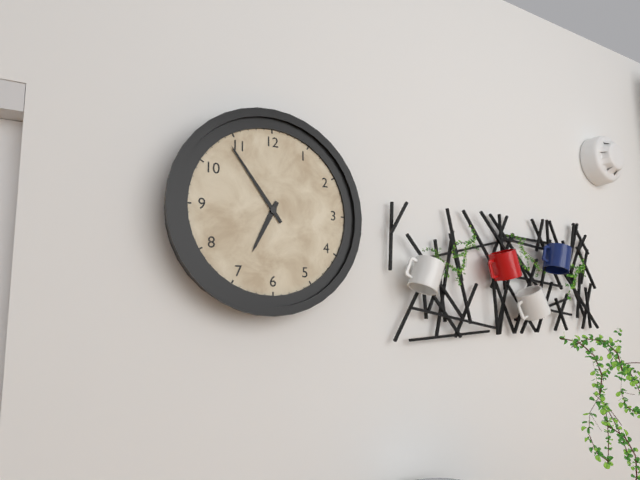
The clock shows **6:54**
